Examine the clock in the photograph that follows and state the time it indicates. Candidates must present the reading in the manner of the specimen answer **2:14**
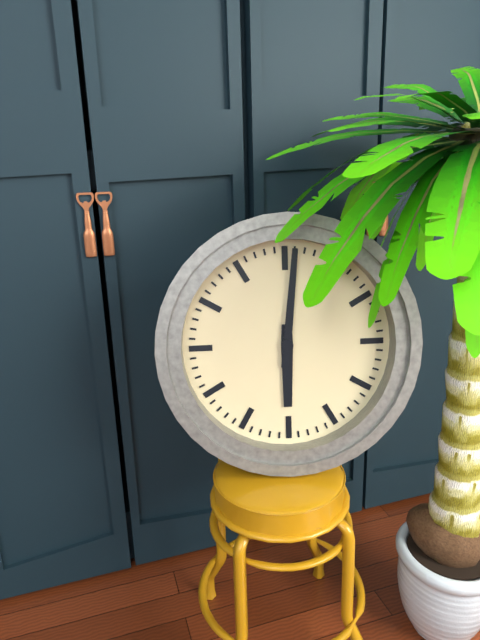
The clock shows **6:01**
